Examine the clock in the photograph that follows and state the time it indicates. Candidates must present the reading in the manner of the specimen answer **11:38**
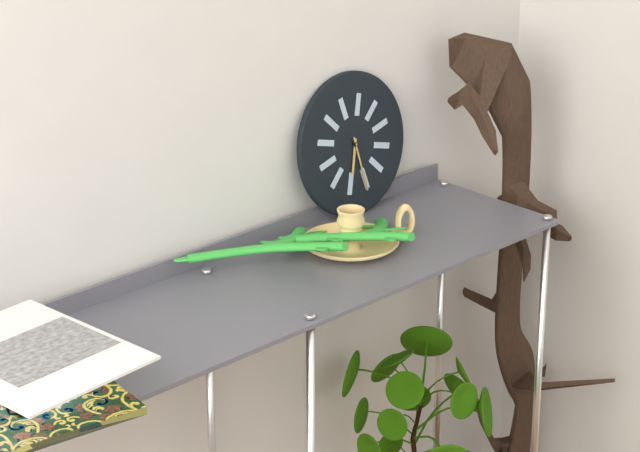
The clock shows **6:28**
